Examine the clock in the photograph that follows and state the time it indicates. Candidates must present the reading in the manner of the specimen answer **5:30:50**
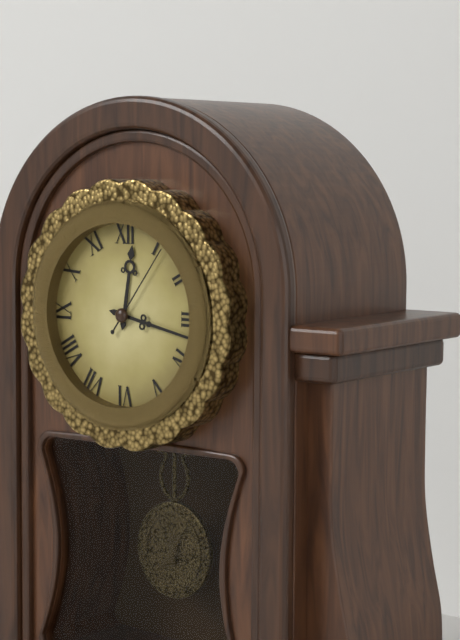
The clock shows **12:17:06**
